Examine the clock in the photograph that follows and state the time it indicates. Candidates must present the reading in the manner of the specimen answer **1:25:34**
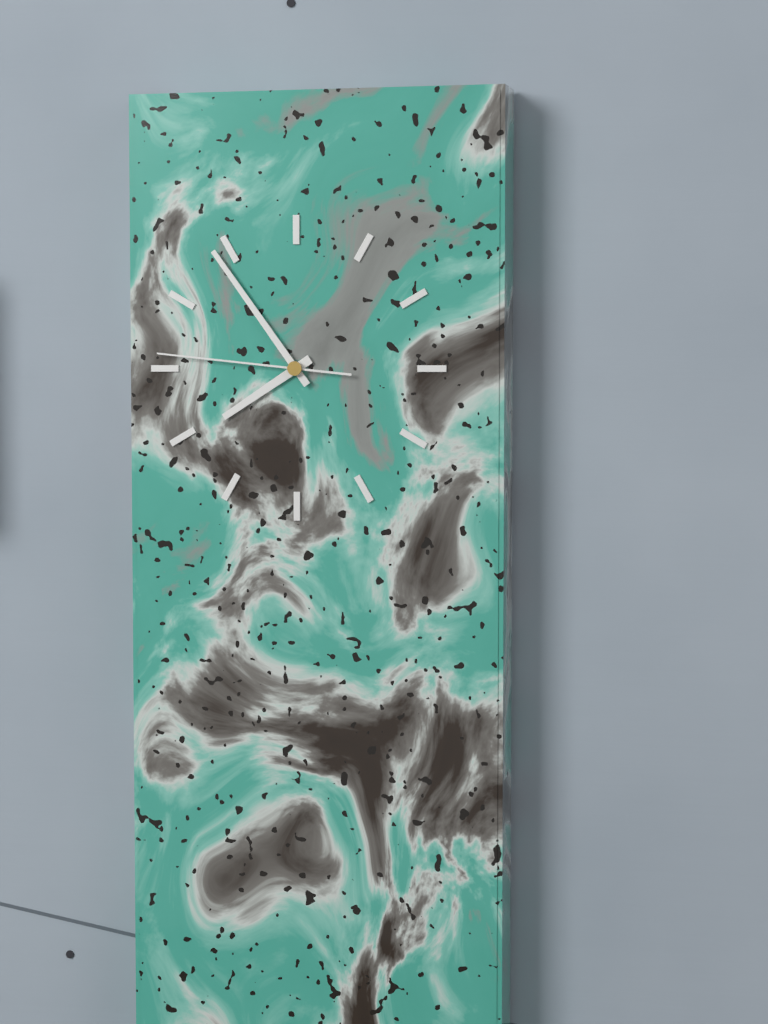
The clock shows **7:54:46**
